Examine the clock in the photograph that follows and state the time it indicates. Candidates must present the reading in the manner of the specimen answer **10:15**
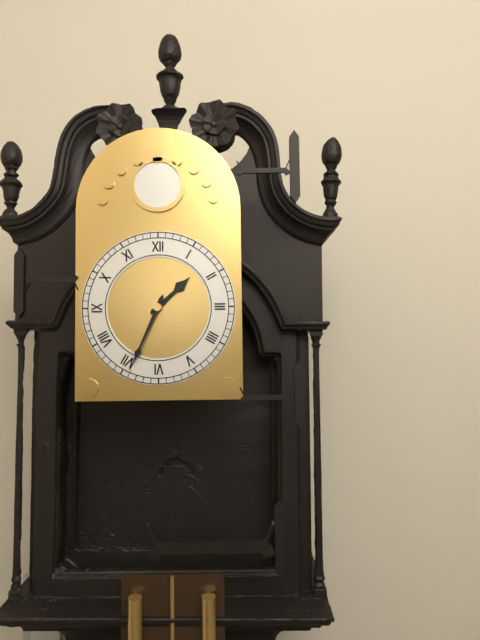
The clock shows **1:34**
